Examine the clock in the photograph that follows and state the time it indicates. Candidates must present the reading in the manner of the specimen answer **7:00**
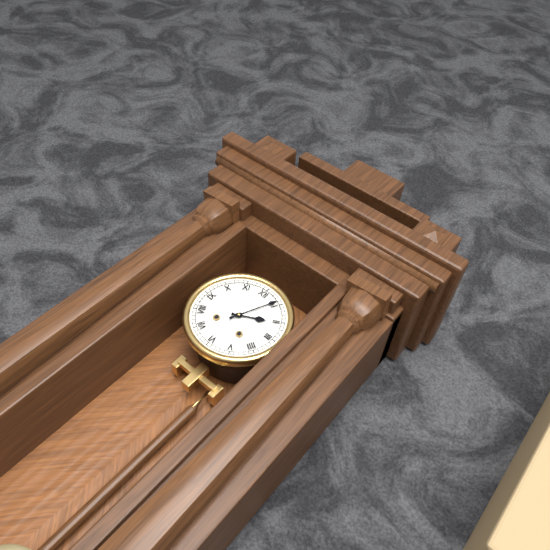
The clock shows **2:04**
